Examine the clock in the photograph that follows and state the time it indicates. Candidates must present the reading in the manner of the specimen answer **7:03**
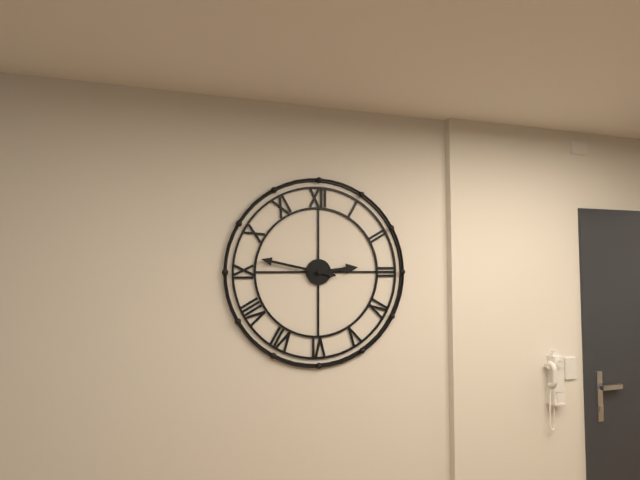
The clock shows **2:47**
